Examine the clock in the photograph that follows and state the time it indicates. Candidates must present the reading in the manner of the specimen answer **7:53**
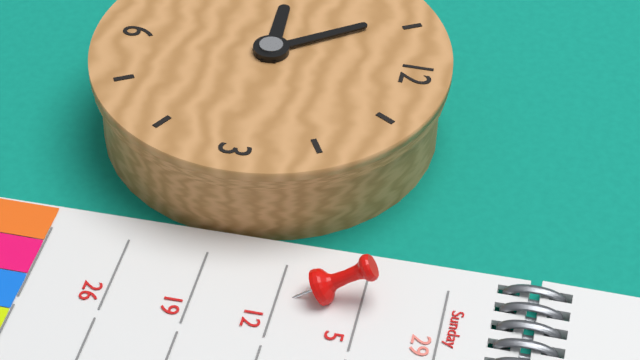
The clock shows **8:54**
